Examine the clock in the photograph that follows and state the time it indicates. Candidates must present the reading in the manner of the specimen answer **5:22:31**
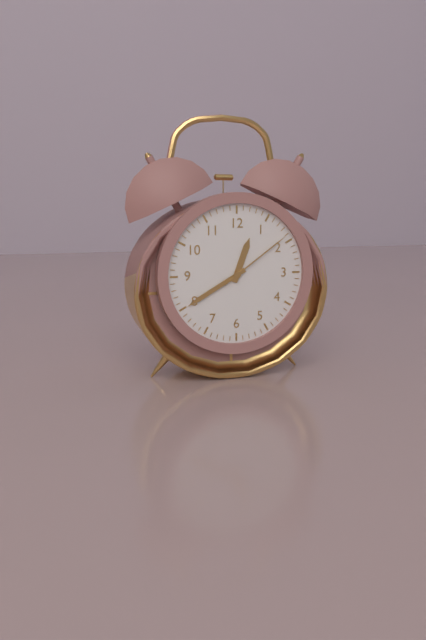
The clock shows **12:40:09**
